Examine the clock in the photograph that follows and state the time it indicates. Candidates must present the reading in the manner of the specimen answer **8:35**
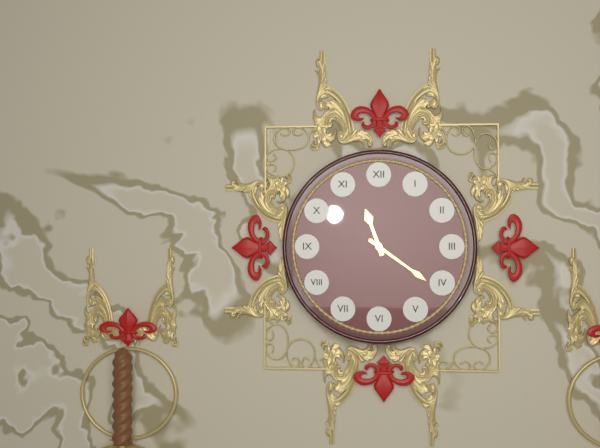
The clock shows **11:21**
